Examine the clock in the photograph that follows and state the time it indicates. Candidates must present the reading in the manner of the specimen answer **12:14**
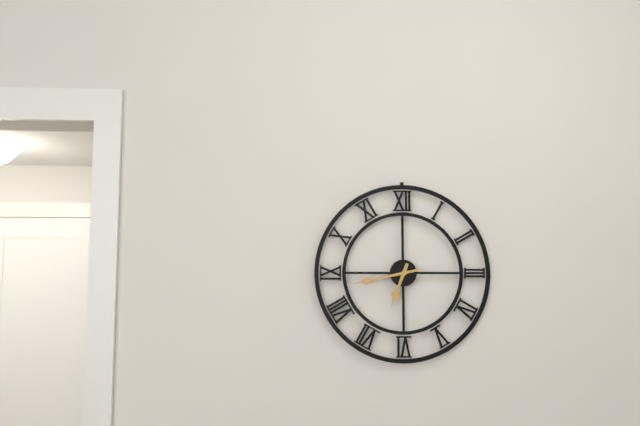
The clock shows **6:43**
